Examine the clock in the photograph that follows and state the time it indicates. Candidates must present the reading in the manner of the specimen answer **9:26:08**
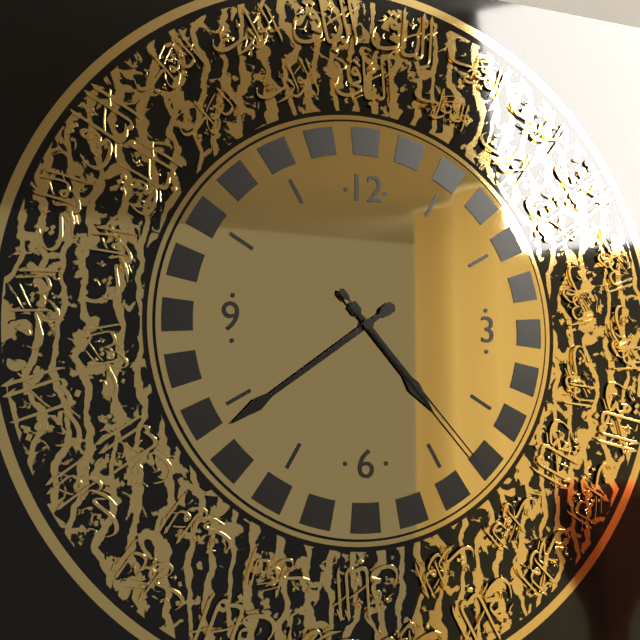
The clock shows **4:39:23**
